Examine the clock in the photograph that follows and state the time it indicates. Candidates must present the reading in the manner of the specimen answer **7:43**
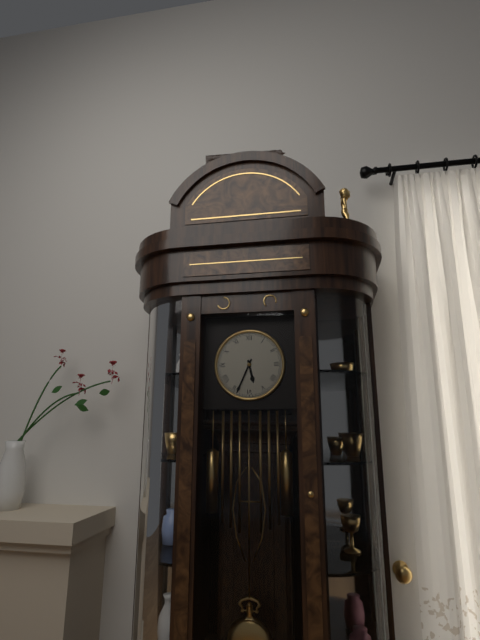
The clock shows **5:34**
